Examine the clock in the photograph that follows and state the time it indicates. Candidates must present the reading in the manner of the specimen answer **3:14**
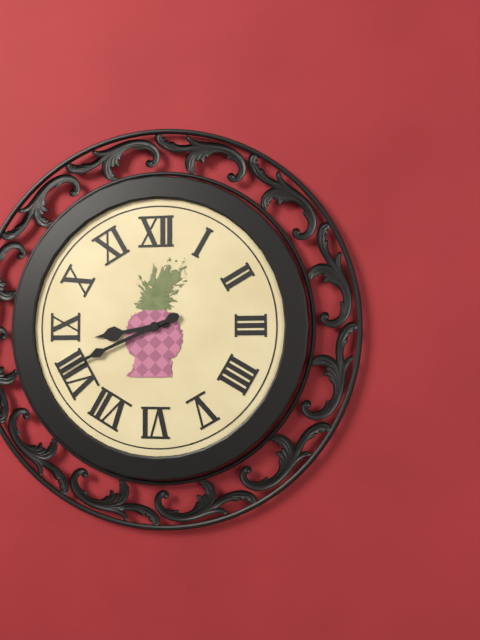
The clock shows **8:41**
